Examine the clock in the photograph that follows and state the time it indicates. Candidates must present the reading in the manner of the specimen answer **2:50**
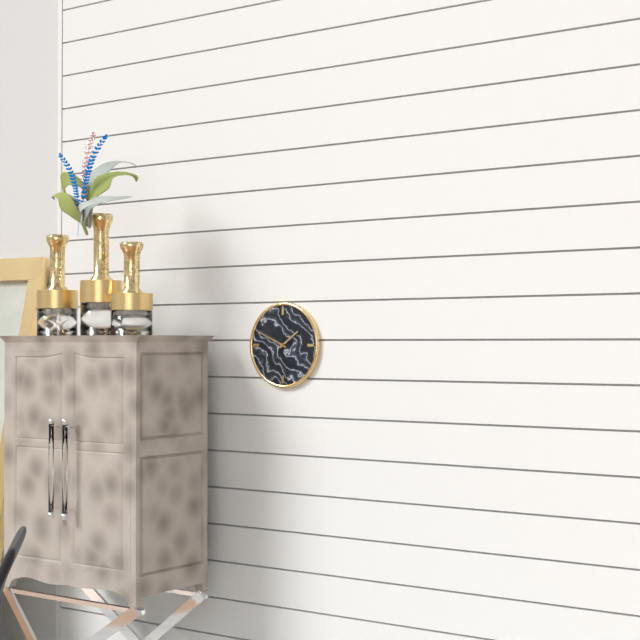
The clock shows **1:49**
